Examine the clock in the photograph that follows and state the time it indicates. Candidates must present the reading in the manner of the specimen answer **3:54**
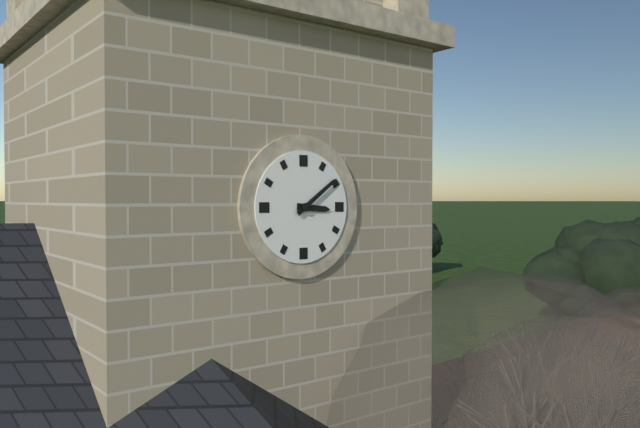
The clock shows **3:09**
